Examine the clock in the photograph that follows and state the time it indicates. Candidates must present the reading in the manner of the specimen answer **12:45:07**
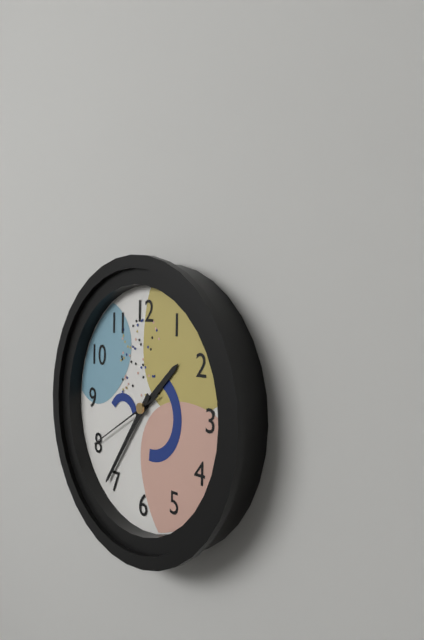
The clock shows **1:36:40**
